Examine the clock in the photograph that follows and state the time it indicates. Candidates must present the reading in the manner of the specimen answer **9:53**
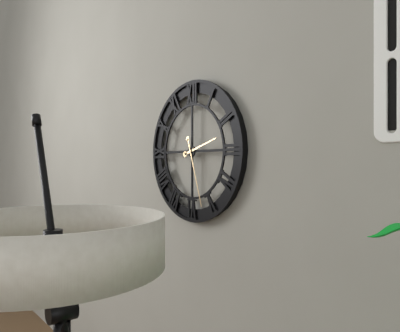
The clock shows **2:27**
